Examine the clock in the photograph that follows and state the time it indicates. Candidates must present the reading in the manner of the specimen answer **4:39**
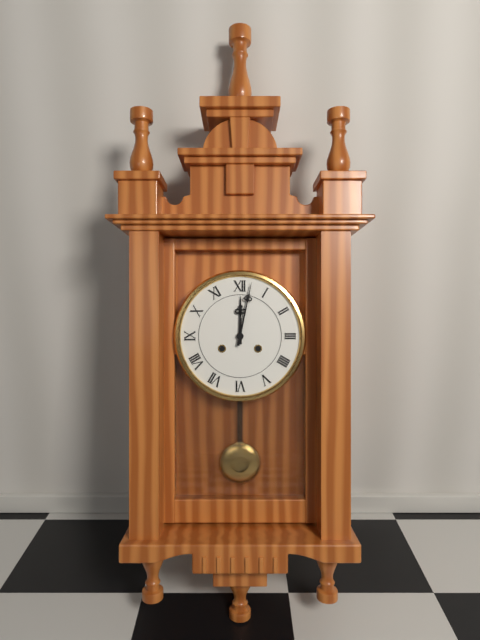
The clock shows **12:02**
